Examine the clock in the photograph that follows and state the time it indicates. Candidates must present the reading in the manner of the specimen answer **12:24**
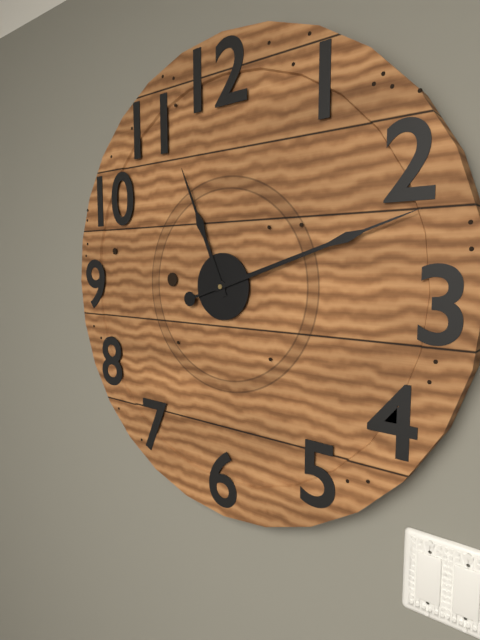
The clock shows **11:12**
